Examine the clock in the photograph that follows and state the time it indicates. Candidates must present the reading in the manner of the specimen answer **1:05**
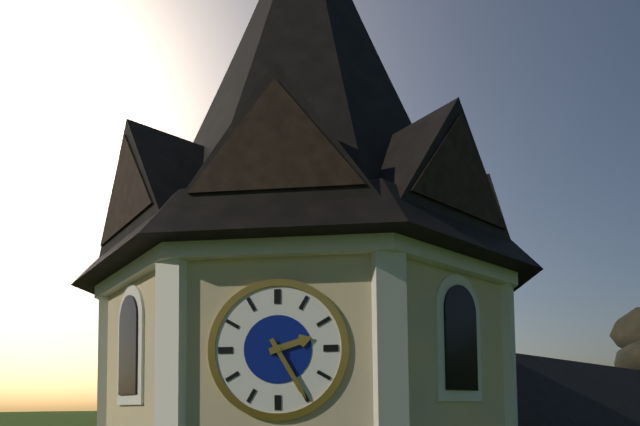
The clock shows **2:25**
